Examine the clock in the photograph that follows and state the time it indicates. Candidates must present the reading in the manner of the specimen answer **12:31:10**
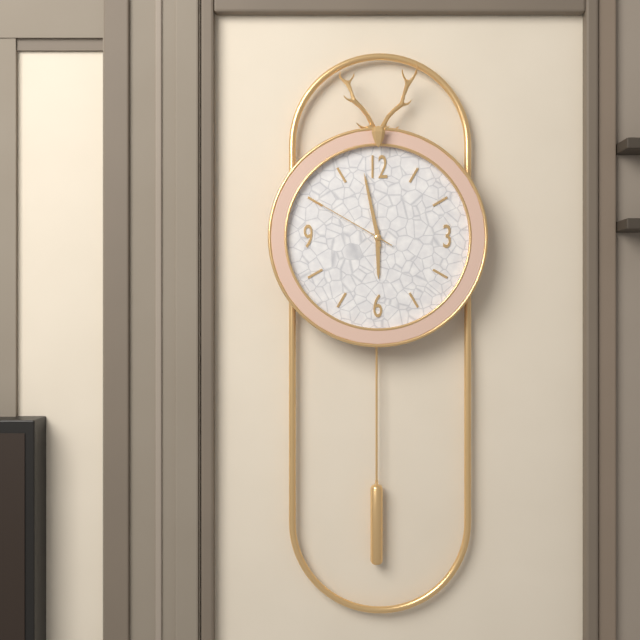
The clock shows **5:58:50**
